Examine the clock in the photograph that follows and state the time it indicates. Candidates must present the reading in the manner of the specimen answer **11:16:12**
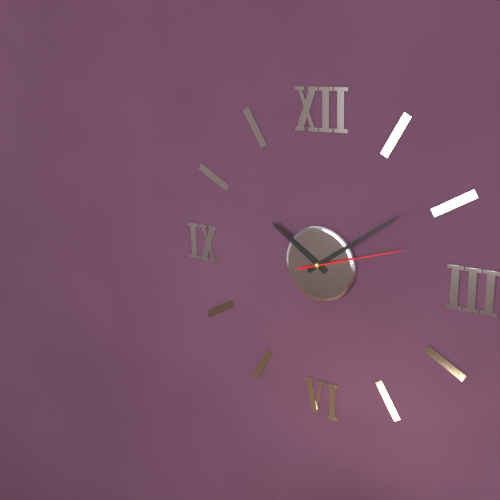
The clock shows **10:09:12**
